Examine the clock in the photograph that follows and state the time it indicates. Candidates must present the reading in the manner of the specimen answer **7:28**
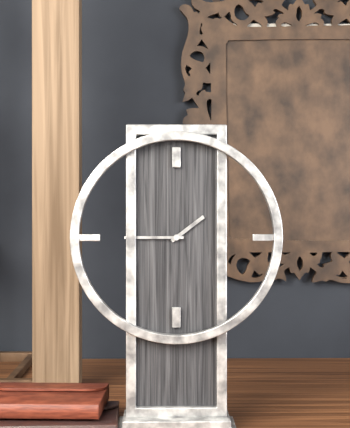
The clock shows **1:45**
